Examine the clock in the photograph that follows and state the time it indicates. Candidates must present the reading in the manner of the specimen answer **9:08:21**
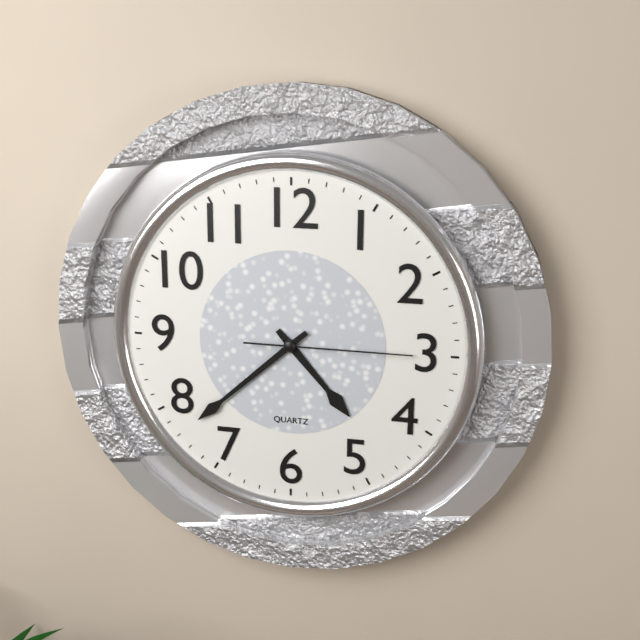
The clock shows **4:38:15**
